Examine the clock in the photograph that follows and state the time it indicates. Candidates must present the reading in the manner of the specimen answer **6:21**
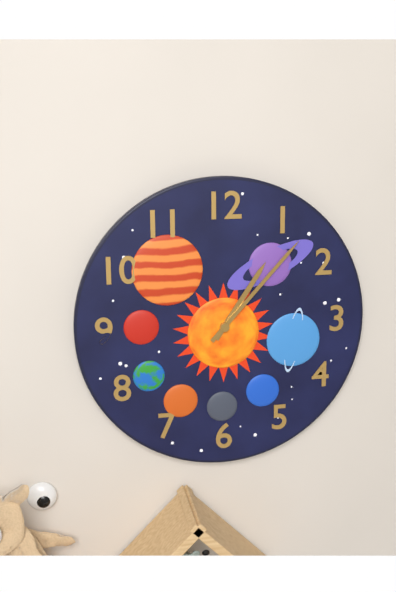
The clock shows **1:07**
